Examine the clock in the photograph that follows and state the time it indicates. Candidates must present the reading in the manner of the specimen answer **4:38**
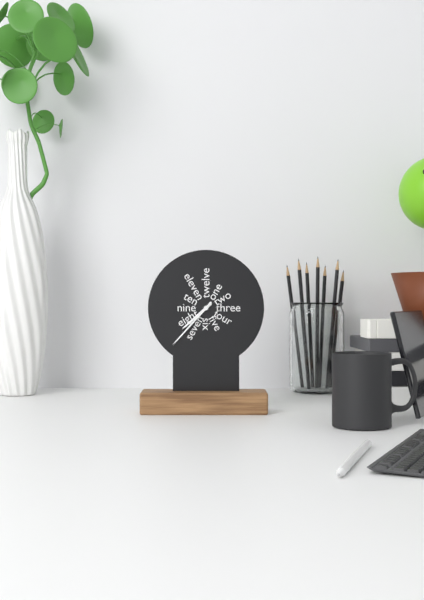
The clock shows **7:37**
